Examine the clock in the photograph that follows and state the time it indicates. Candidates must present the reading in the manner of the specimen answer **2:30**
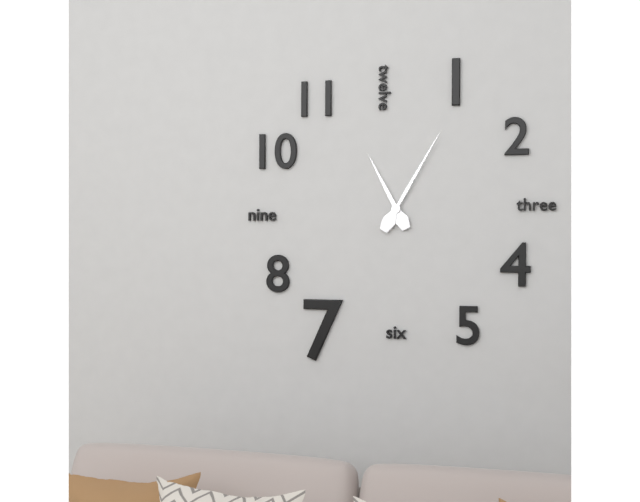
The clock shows **11:05**
